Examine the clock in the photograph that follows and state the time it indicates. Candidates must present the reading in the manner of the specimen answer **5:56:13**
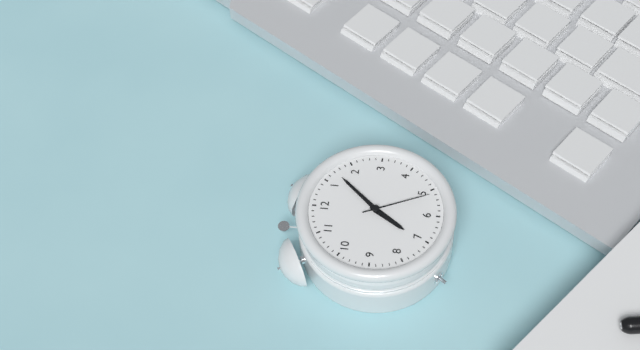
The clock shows **7:07:26**
